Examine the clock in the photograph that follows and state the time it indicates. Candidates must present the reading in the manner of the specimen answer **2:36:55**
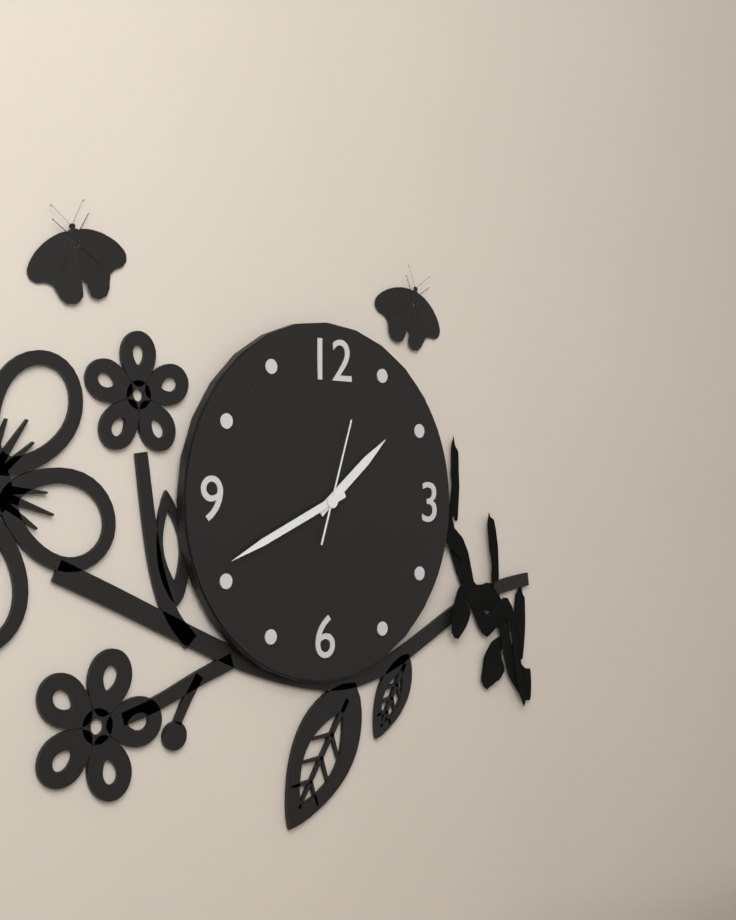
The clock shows **1:41:03**
